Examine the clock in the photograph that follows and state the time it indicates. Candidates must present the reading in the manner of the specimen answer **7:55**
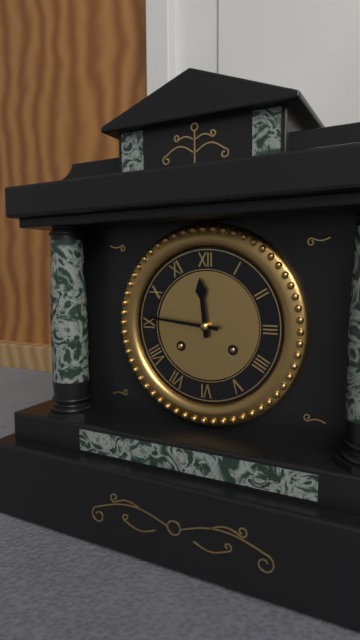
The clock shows **11:46**
